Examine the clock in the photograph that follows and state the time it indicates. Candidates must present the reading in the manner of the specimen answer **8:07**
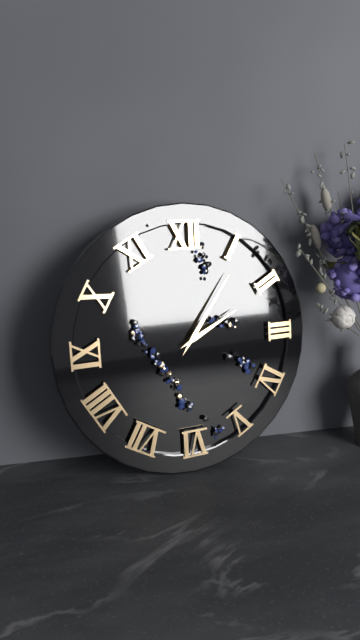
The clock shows **2:06**
